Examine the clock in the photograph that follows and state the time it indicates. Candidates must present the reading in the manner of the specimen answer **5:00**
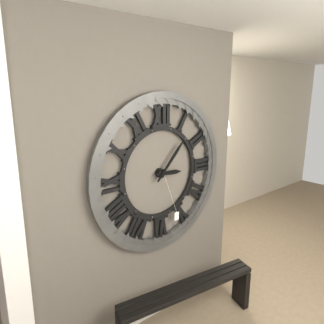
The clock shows **3:07**
